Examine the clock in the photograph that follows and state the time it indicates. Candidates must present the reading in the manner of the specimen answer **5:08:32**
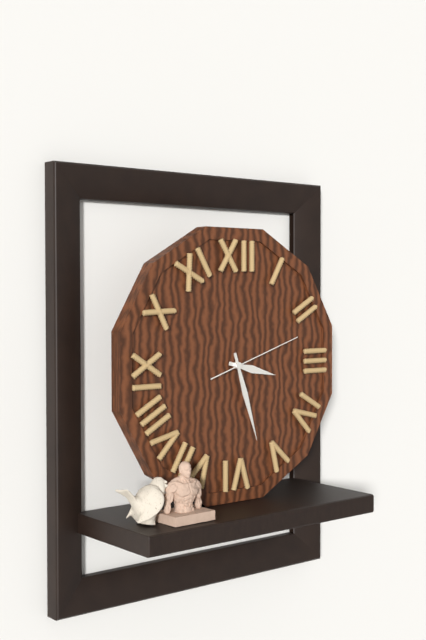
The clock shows **3:27:12**
